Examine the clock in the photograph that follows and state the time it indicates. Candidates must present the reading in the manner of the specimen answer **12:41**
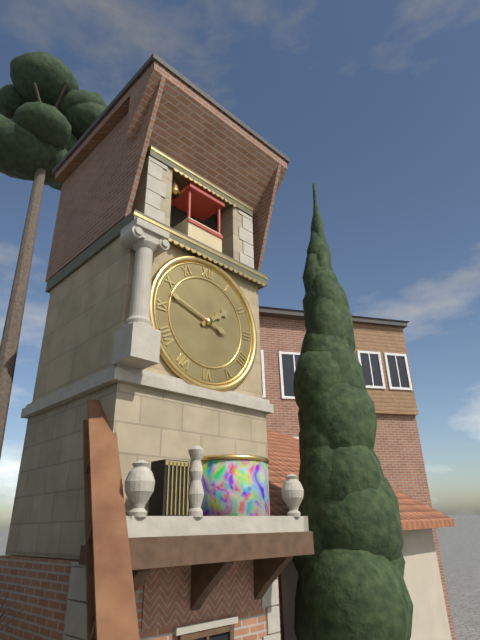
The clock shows **1:48**
